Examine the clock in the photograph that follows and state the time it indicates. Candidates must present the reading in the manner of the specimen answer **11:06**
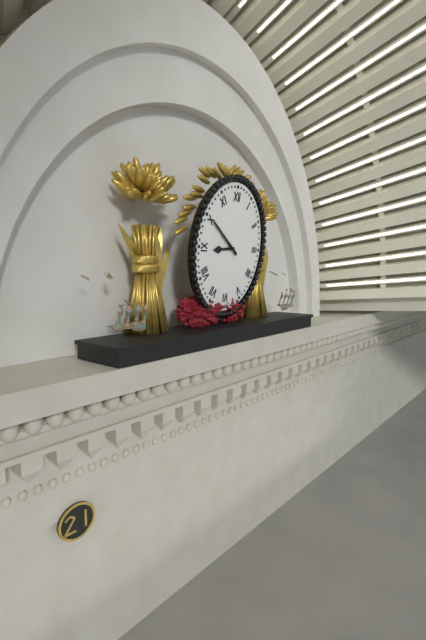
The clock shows **8:51**
